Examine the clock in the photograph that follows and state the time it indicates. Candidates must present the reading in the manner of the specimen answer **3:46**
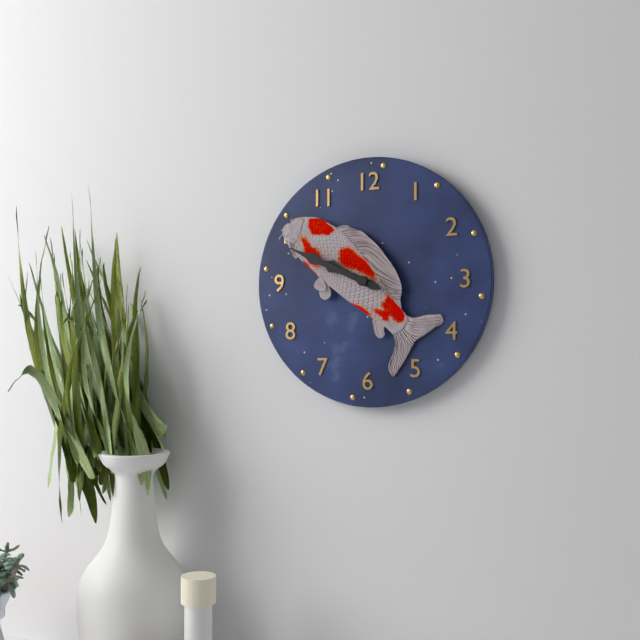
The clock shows **9:49**
